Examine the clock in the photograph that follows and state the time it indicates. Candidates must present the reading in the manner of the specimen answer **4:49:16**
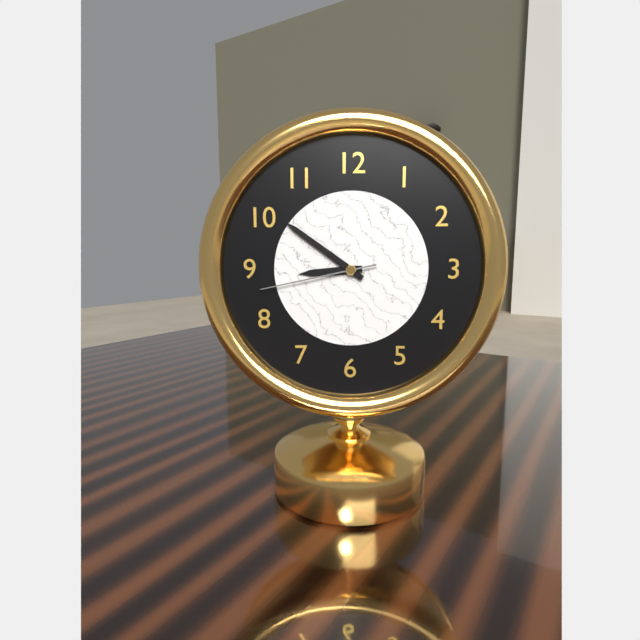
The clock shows **8:51:43**
